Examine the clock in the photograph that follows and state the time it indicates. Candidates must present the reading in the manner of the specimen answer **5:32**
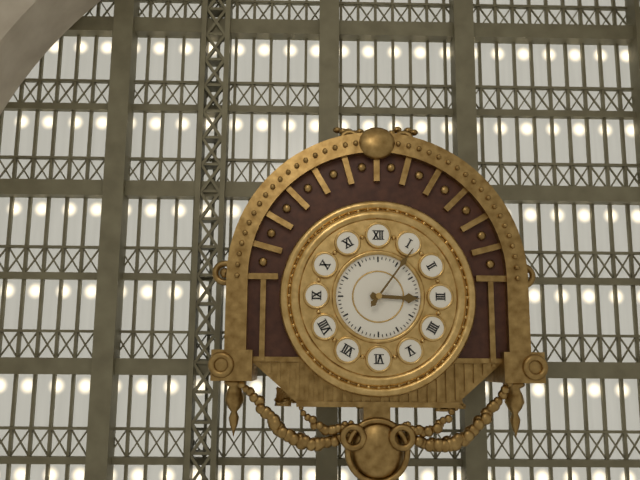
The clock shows **3:06**
